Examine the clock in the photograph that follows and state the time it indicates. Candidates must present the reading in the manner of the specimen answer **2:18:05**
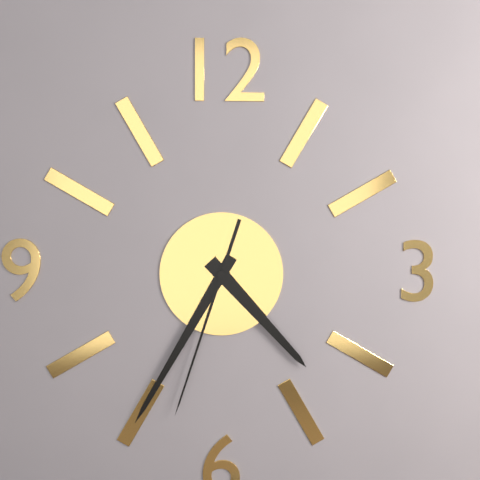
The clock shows **4:35:33**
